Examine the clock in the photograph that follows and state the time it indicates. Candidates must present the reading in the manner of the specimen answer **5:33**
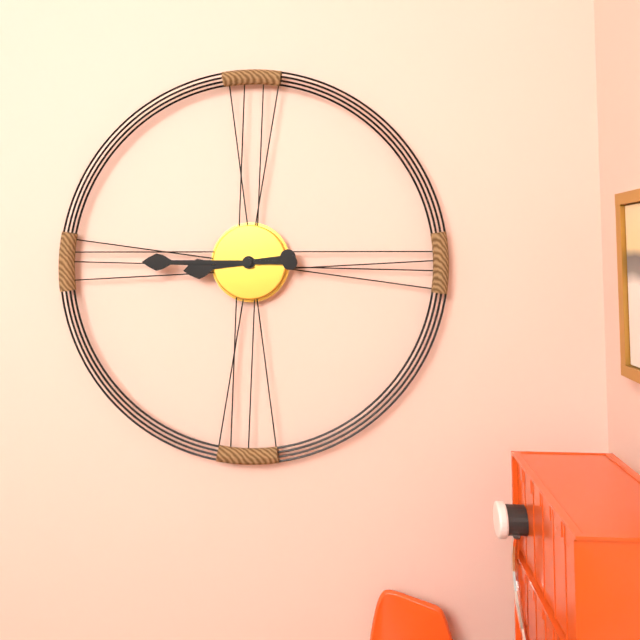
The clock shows **8:45**
